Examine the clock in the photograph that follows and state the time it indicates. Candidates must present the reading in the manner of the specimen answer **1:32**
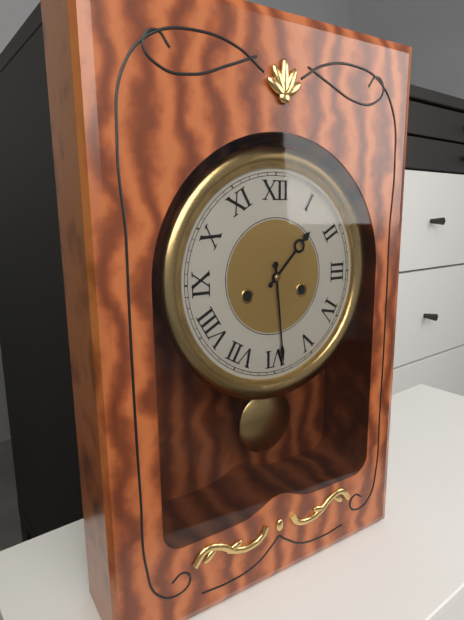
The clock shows **1:29**
